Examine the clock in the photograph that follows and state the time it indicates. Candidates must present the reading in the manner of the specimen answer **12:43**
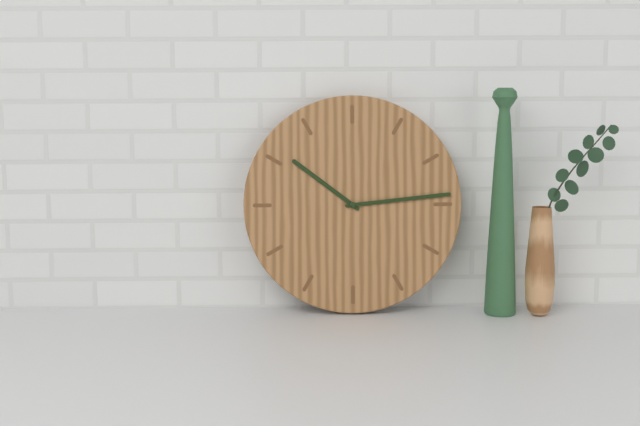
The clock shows **10:14**
